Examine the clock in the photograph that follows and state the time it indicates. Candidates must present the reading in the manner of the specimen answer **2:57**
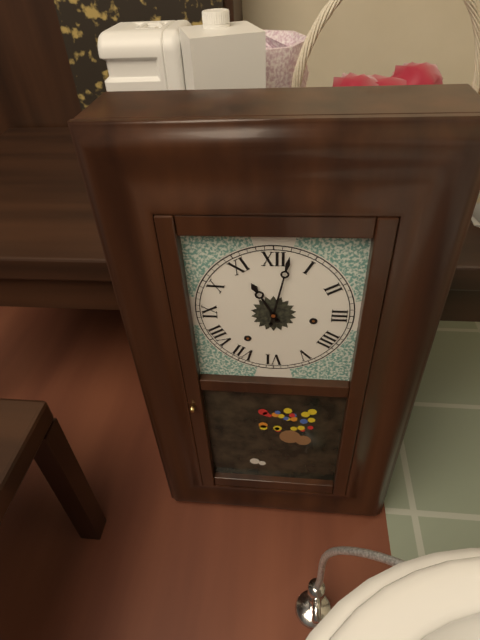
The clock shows **11:02**
